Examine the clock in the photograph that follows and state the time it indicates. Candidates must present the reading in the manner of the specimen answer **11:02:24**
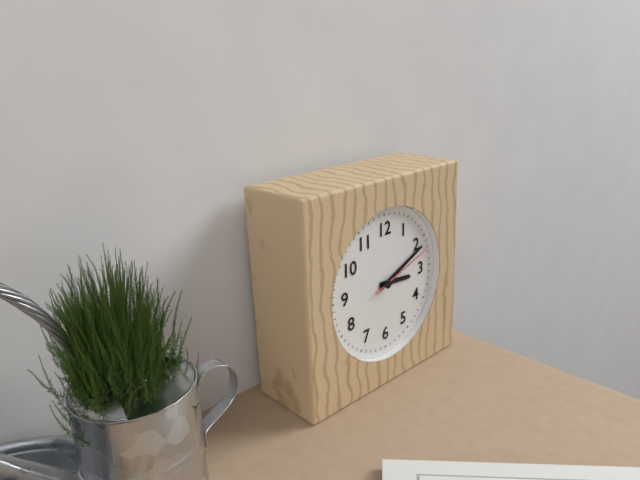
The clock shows **3:11:12**
